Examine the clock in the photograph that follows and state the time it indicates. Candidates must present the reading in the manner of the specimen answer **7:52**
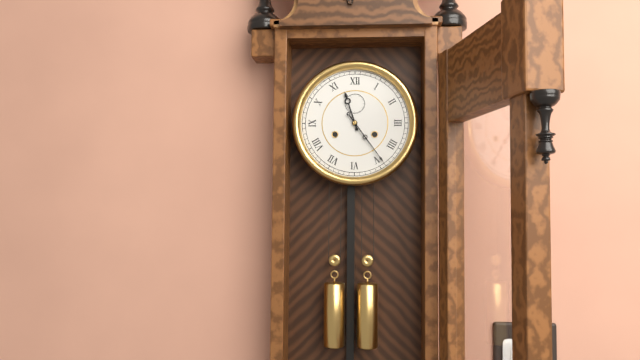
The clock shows **11:24**
